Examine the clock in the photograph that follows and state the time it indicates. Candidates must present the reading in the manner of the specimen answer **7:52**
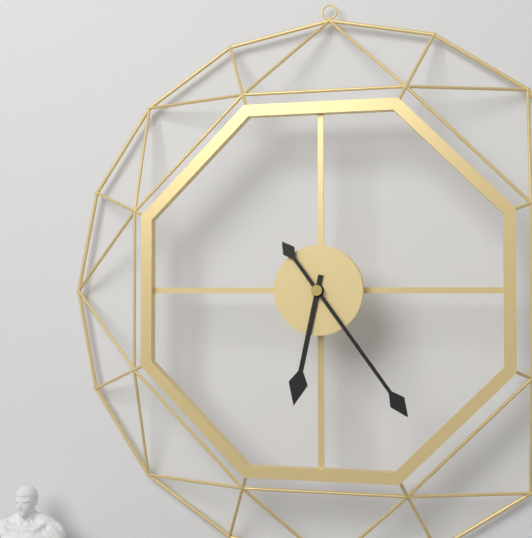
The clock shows **6:24**
